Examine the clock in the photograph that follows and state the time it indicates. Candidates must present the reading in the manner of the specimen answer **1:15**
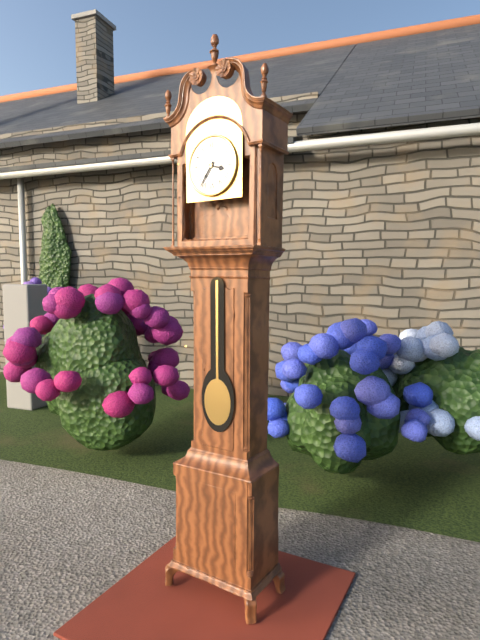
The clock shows **3:36**
